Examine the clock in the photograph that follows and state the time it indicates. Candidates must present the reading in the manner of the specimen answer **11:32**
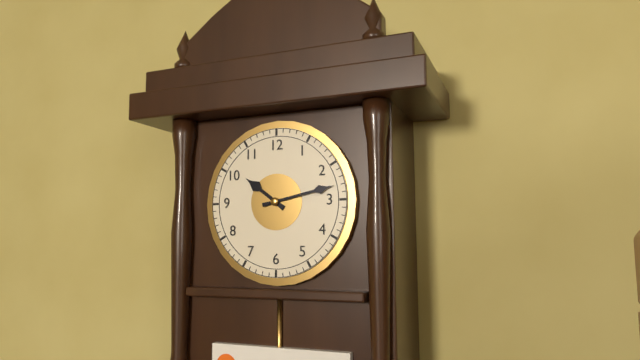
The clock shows **10:13**
